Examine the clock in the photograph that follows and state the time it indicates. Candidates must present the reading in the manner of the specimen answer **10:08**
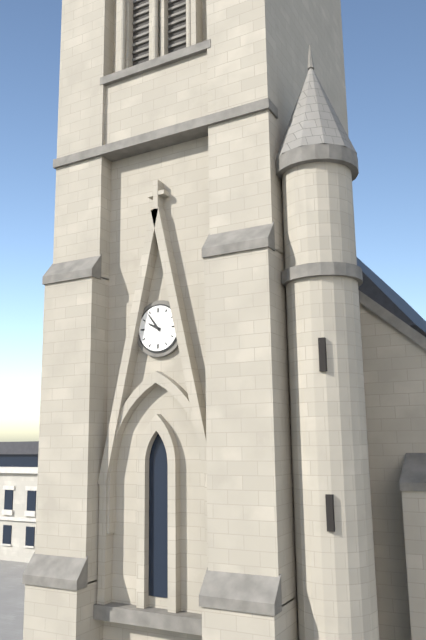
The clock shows **9:54**
